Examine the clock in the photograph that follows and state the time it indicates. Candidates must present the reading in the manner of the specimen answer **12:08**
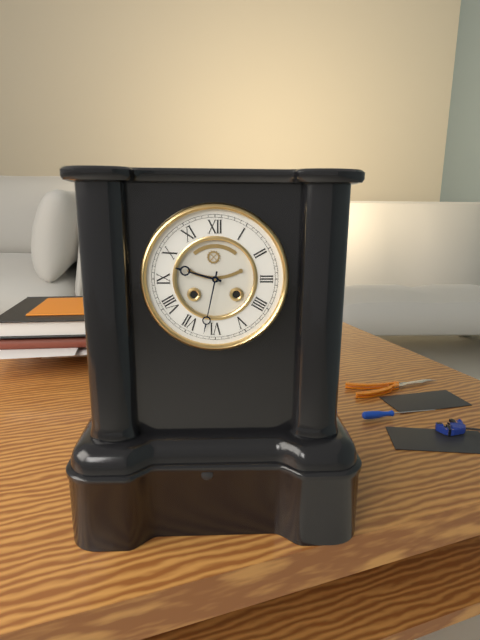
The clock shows **9:32**
